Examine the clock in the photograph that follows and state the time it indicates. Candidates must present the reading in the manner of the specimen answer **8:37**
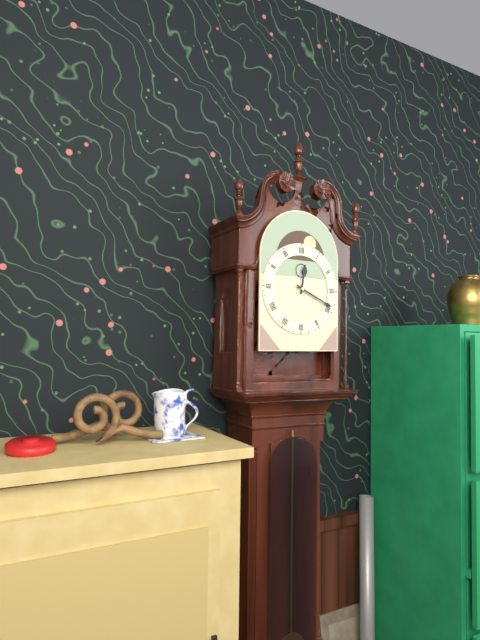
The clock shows **12:19**
